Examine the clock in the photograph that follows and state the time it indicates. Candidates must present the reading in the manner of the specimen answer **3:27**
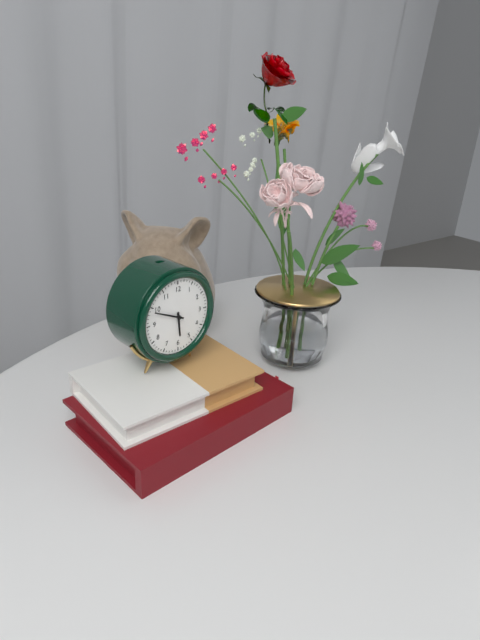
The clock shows **5:49**
